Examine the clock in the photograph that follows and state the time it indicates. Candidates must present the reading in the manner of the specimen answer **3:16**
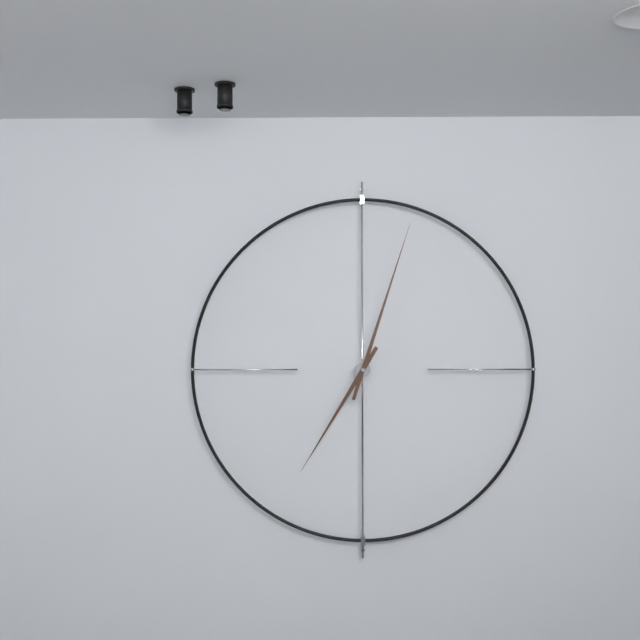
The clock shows **7:03**
